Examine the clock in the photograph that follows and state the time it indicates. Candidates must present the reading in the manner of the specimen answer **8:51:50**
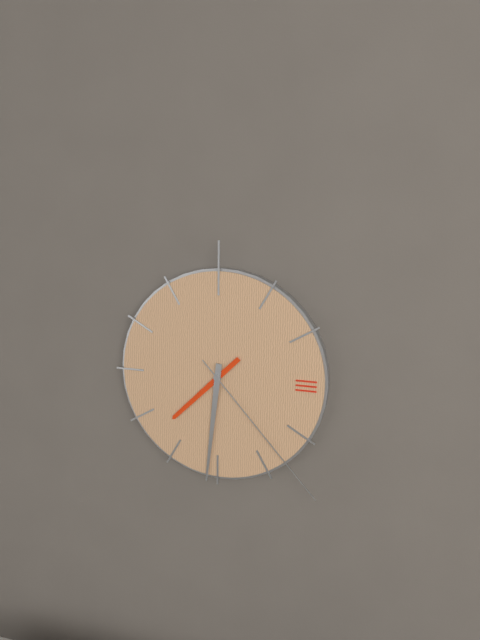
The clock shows **7:31:23**
